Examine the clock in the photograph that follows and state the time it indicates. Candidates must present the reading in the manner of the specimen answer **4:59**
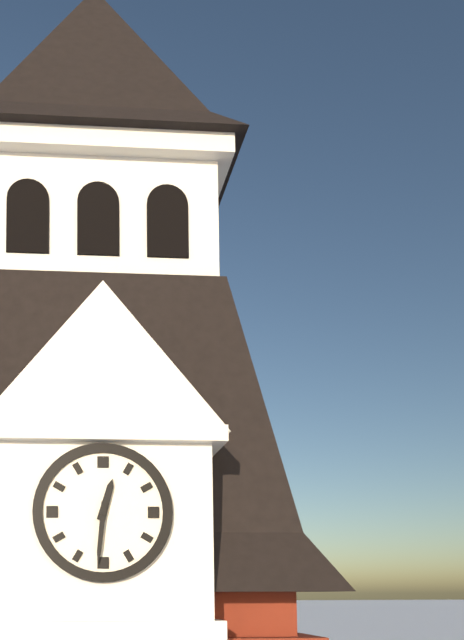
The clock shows **12:31**
